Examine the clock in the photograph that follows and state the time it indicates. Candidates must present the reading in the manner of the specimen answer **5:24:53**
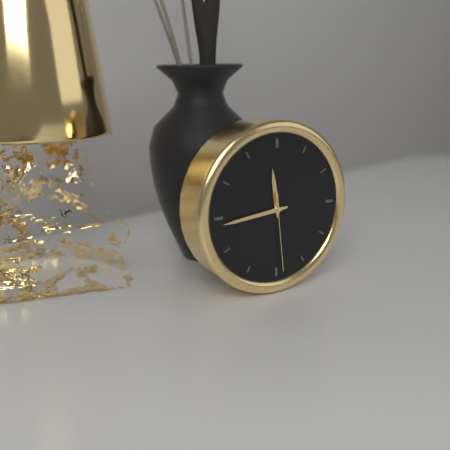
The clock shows **11:44:29**
